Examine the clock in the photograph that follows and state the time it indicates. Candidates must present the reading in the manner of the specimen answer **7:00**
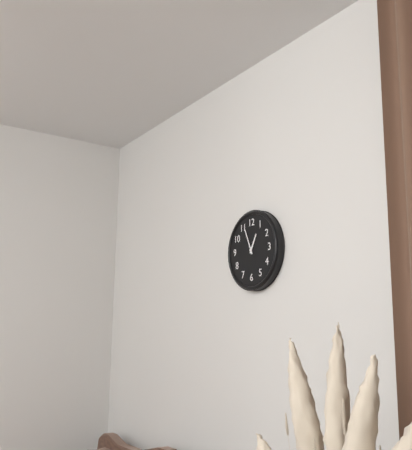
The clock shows **12:56**
